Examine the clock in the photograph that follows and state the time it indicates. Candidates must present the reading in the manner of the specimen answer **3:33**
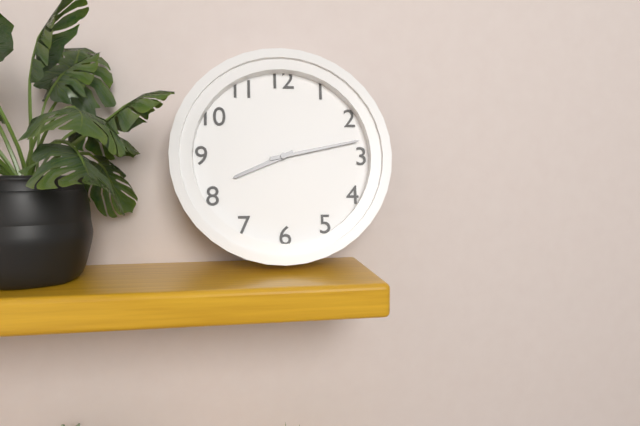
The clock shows **8:13**
